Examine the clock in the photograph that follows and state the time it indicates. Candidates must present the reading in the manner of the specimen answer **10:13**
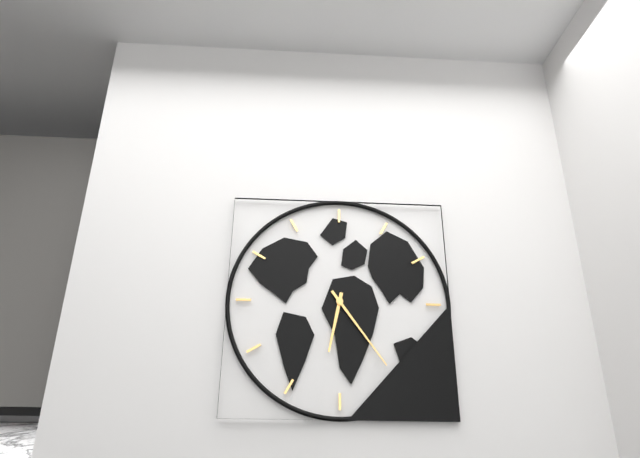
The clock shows **6:24**
